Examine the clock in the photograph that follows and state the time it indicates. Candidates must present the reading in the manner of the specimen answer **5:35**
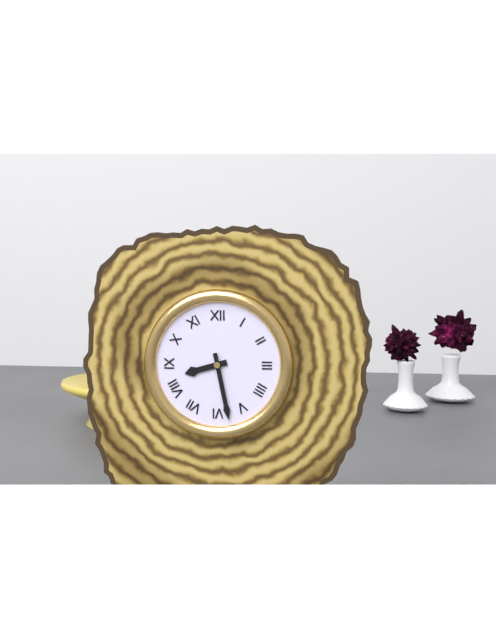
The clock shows **8:28**
